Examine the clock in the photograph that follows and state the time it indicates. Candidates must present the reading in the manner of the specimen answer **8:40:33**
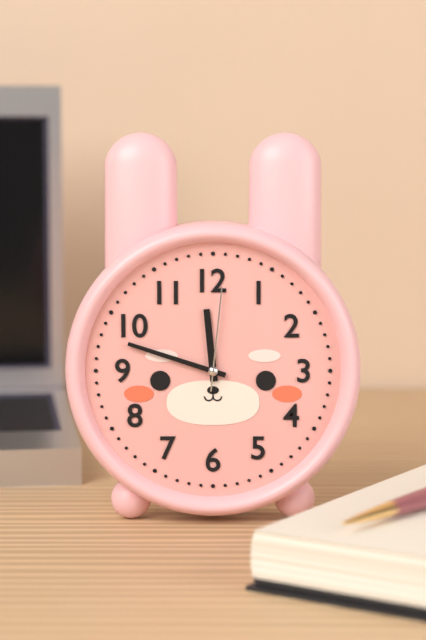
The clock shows **11:48:01**
